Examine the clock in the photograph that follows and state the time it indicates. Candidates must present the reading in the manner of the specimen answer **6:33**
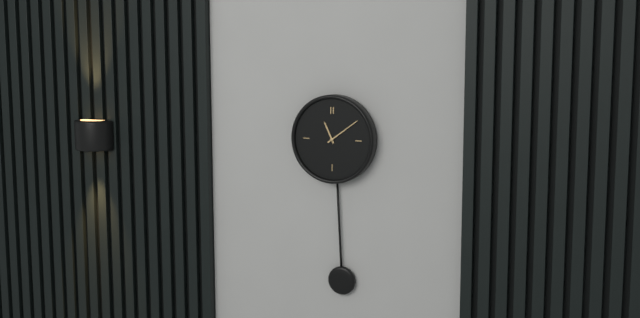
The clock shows **11:09**
